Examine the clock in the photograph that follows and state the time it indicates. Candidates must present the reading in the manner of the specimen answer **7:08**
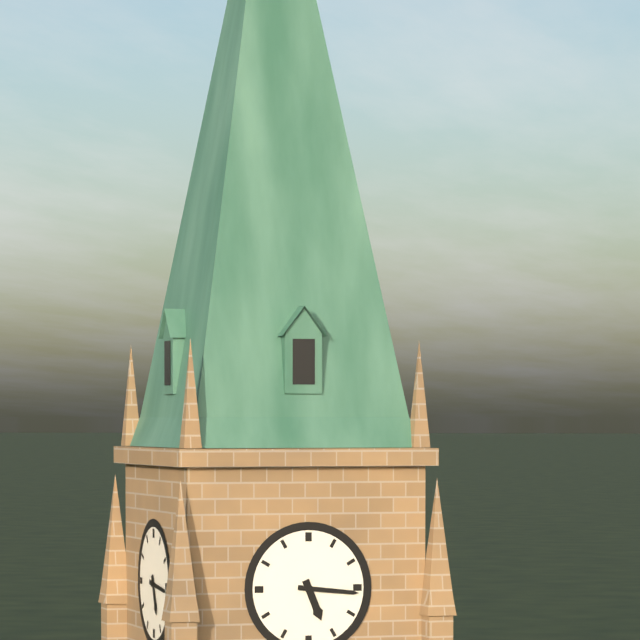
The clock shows **5:16**
